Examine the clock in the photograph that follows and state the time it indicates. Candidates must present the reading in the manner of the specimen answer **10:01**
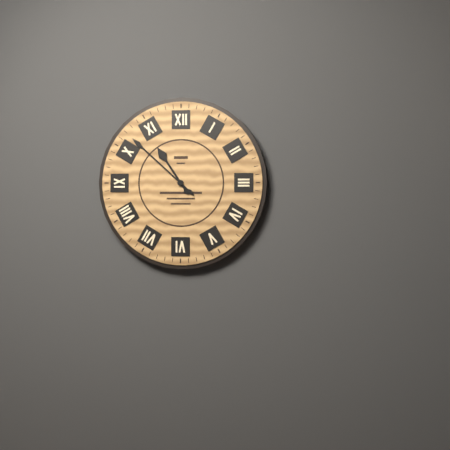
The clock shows **10:52**
